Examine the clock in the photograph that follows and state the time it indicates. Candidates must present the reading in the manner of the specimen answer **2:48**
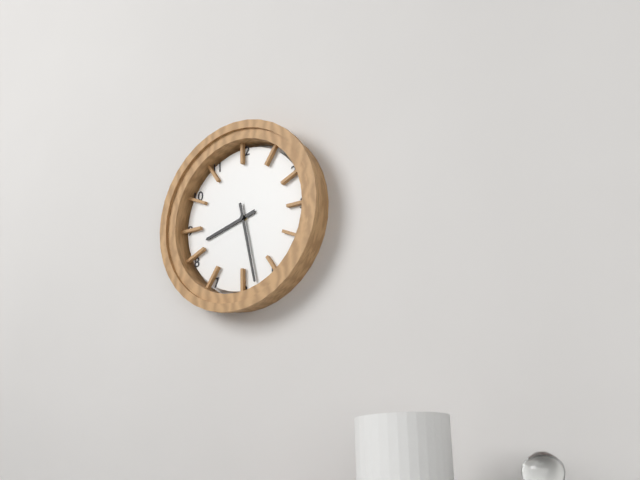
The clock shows **8:28**
